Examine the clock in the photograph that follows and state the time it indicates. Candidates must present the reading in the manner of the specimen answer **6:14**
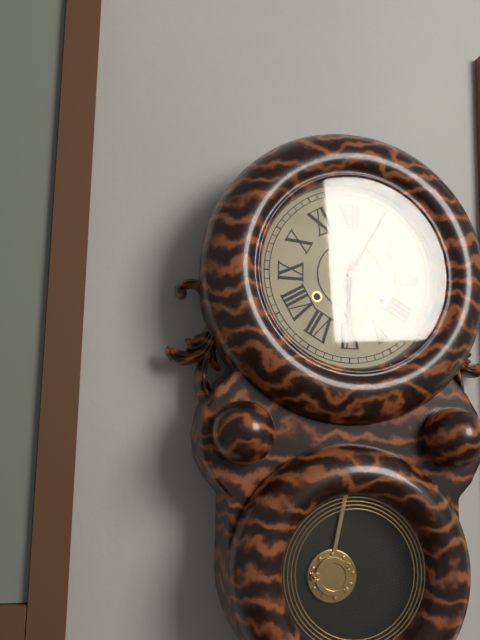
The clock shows **6:05**
